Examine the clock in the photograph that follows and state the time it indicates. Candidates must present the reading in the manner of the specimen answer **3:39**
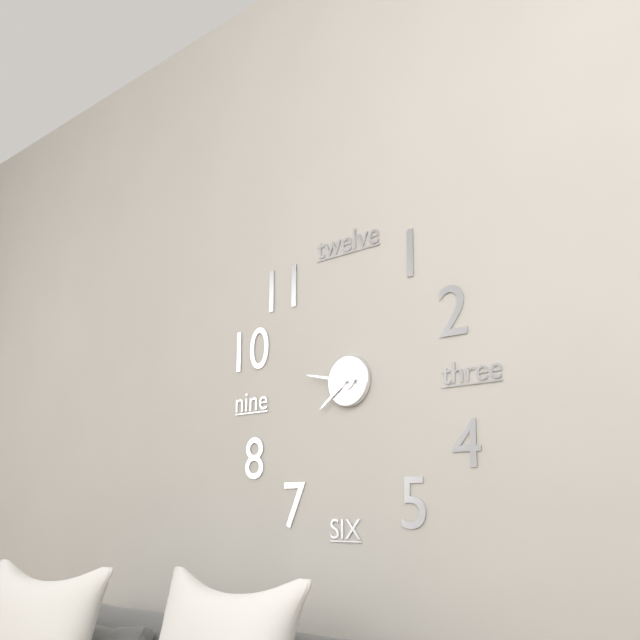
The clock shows **7:47**
